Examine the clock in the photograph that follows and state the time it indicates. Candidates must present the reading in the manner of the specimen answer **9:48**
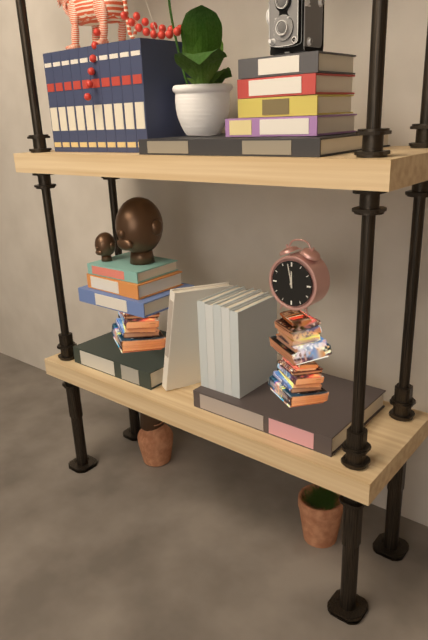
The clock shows **11:58**
